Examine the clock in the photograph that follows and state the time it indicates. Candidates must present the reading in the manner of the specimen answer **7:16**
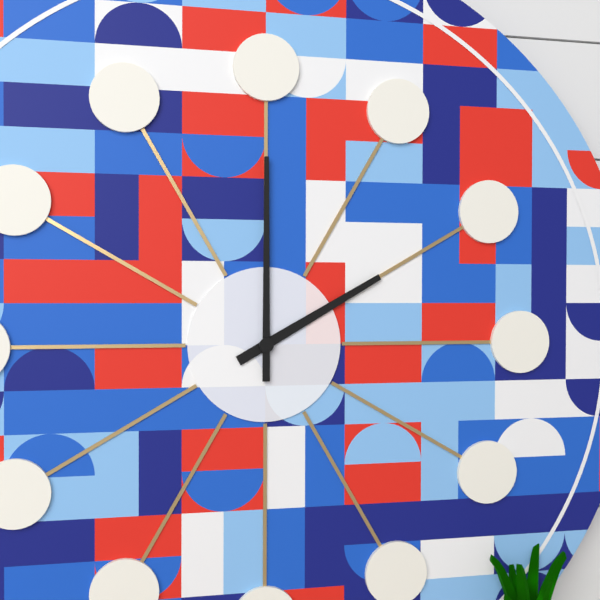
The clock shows **2:00**
